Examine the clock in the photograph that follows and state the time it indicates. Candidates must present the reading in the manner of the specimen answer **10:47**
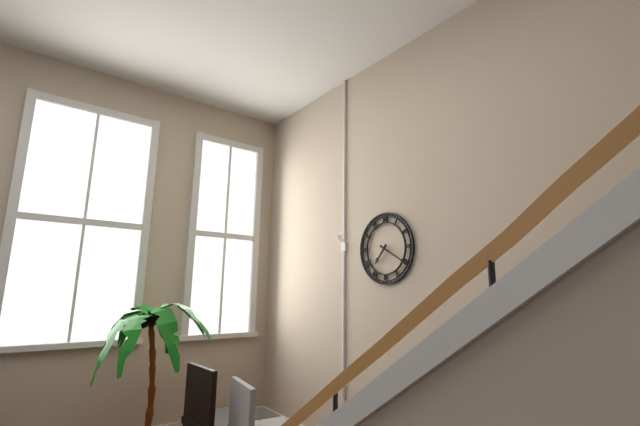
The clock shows **7:20**
